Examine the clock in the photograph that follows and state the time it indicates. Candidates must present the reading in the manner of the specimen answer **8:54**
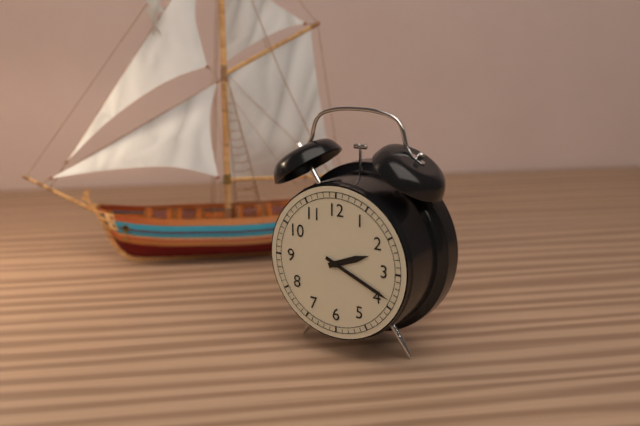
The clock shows **2:19**
